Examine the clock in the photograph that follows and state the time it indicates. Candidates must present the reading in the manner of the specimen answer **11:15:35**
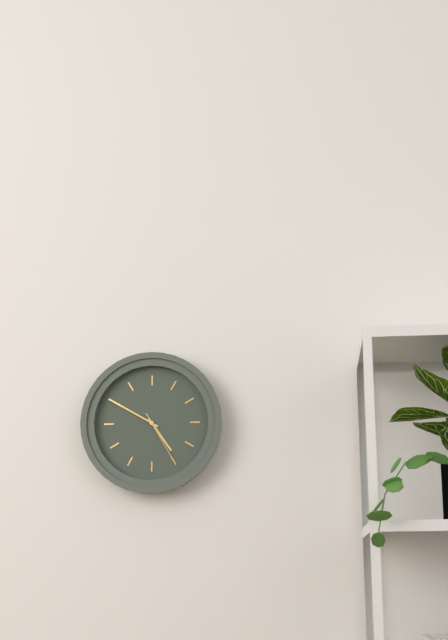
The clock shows **4:50:25**
